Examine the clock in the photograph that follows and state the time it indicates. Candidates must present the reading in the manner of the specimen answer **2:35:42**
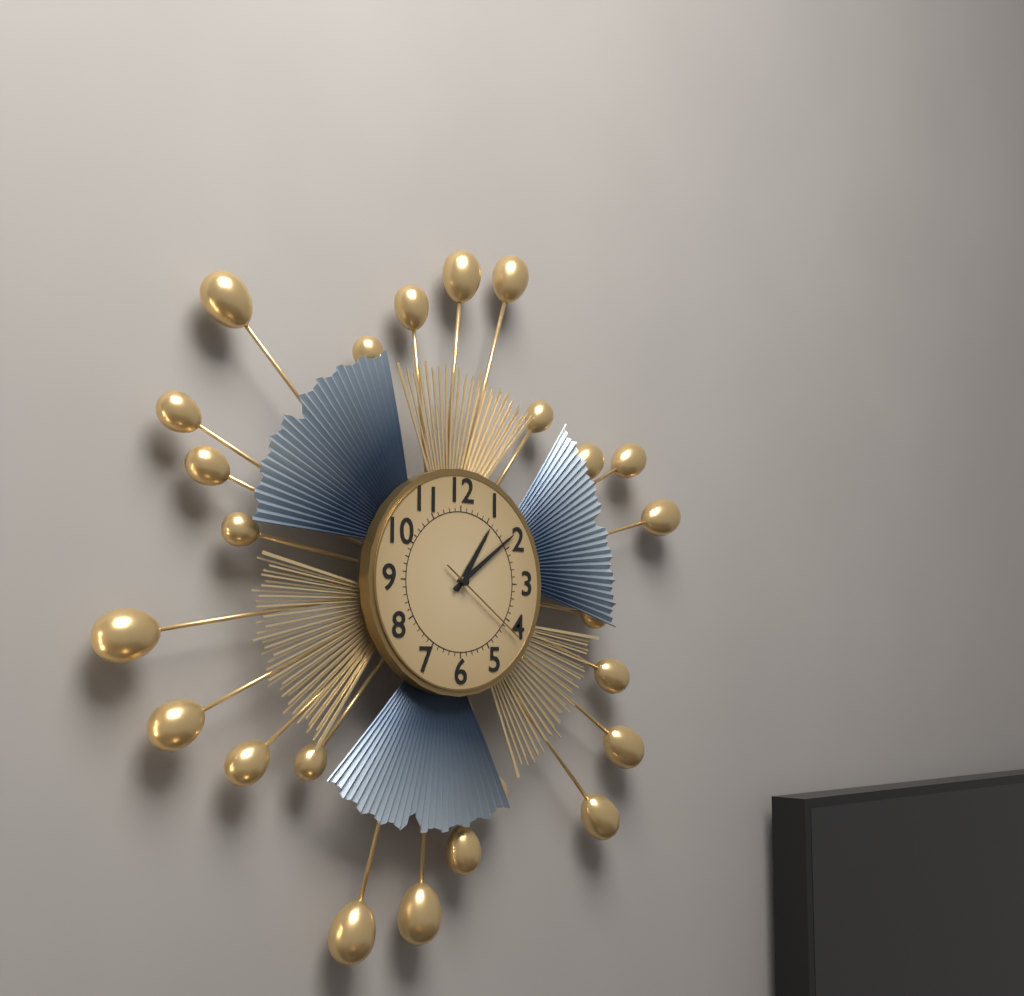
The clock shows **1:09:21**
